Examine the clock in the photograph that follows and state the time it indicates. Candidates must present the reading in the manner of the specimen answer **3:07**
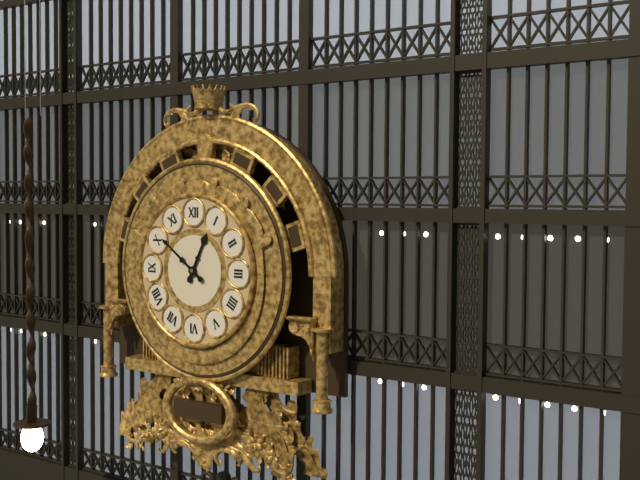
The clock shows **12:51**
